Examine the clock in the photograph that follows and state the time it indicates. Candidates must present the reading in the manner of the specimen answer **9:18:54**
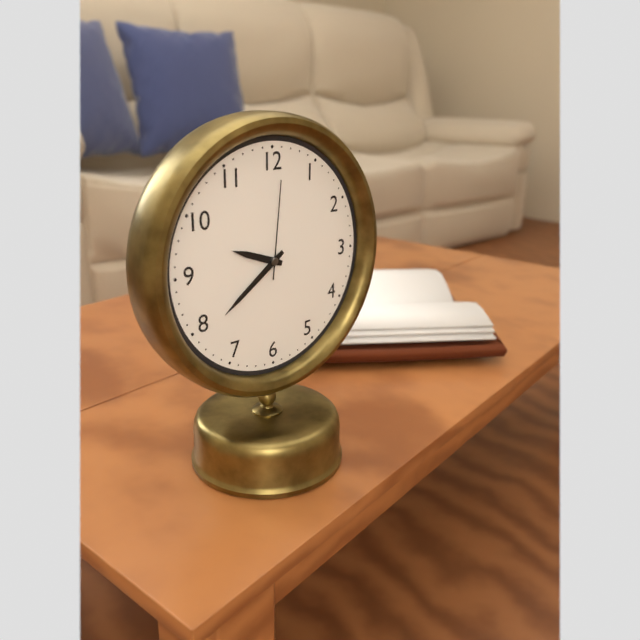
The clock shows **9:39:01**
